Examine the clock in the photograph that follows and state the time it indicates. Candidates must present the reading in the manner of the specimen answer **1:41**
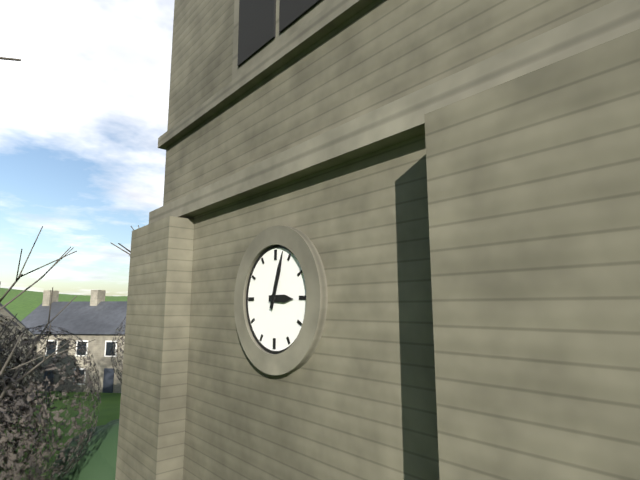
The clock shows **3:03**
